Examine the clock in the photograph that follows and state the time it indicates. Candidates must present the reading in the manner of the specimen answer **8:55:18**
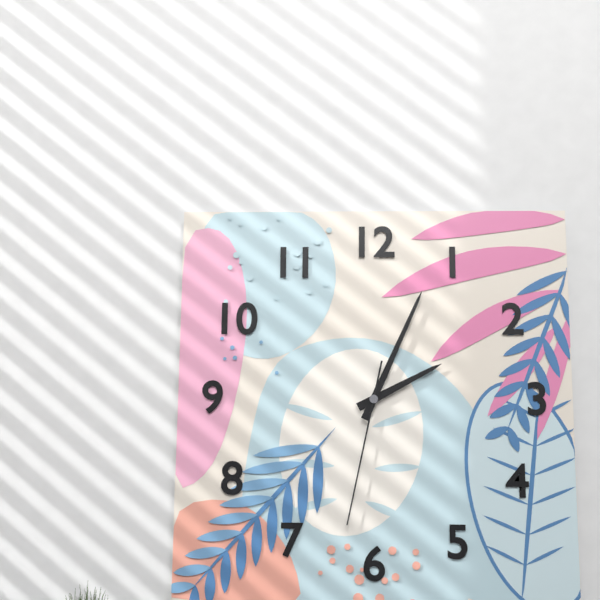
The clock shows **2:04:32**
